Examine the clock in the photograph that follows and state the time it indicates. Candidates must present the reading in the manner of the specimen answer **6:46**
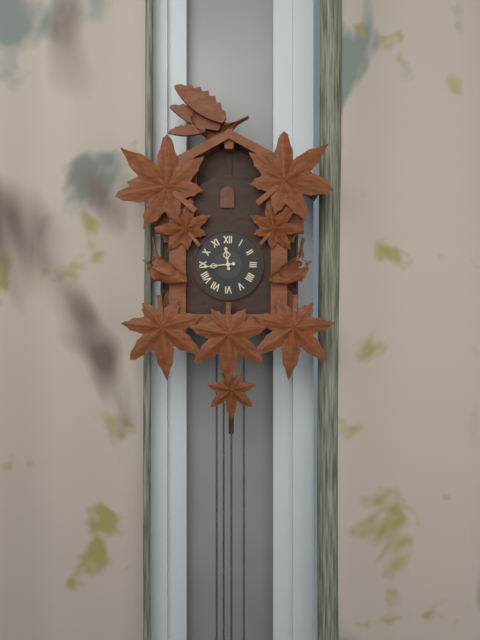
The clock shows **11:44**
